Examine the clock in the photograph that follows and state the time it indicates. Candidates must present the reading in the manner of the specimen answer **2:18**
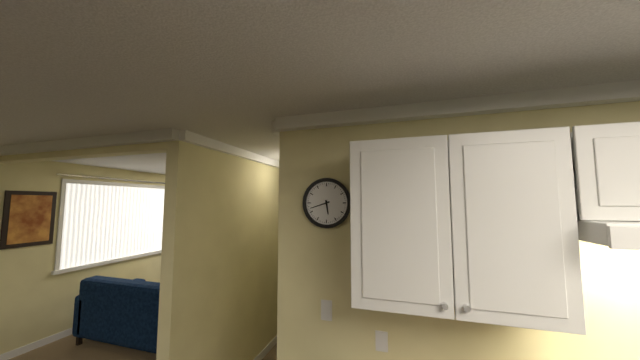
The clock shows **5:42**
